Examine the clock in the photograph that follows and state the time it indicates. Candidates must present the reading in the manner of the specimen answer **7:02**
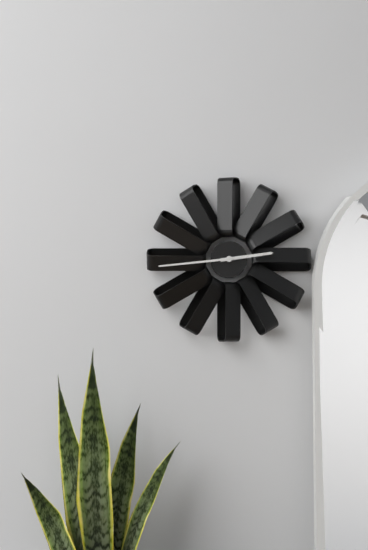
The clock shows **2:44**
